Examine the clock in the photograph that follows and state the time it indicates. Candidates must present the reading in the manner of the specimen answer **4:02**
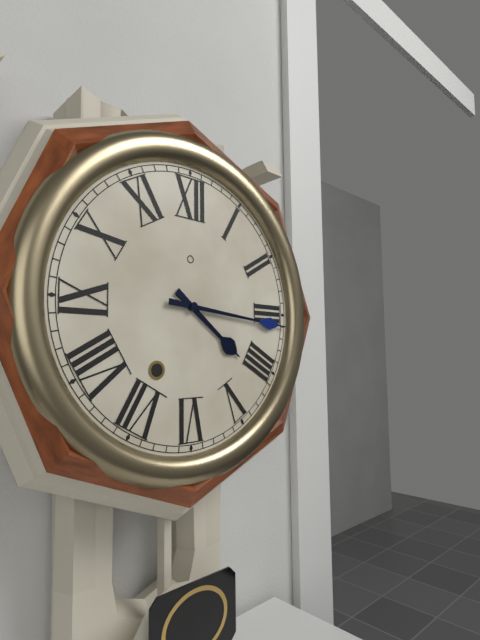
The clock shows **4:16**
